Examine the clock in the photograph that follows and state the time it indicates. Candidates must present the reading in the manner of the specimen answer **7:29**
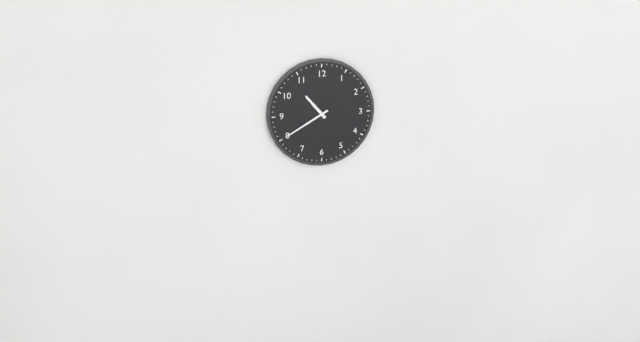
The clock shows **10:40**
